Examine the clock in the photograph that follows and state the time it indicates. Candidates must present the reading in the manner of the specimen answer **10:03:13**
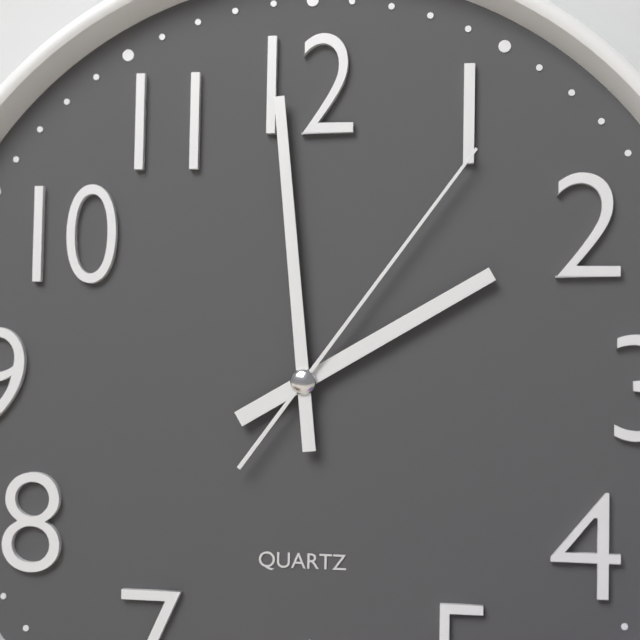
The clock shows **1:59:06**
